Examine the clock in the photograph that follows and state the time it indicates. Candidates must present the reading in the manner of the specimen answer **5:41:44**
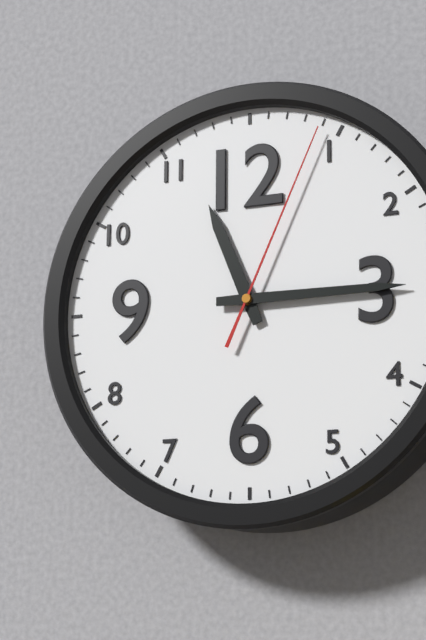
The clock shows **11:15:04**
